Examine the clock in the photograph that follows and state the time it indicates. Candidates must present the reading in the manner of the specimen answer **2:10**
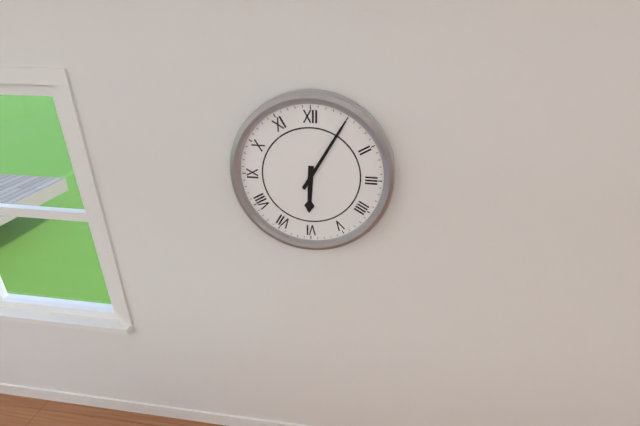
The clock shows **6:05**
